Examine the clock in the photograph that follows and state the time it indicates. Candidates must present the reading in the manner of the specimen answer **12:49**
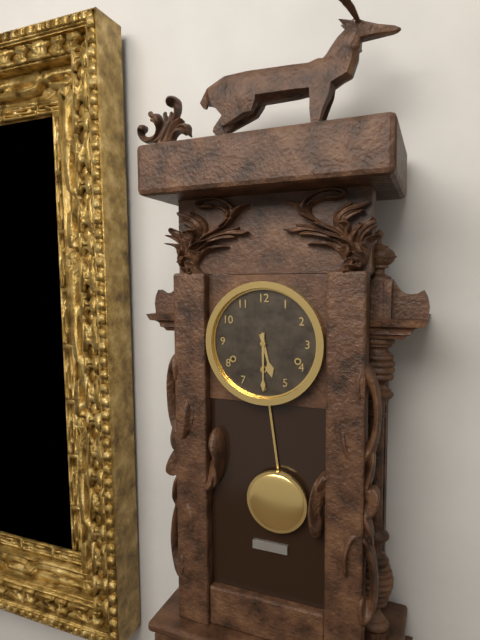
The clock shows **5:30**
